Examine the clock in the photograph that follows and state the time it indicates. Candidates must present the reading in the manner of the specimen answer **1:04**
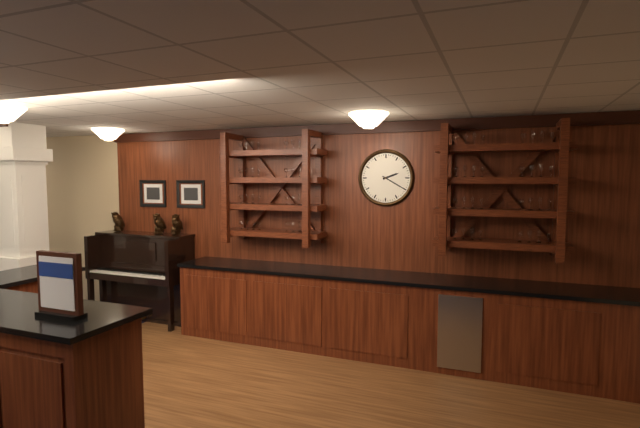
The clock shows **2:20**
